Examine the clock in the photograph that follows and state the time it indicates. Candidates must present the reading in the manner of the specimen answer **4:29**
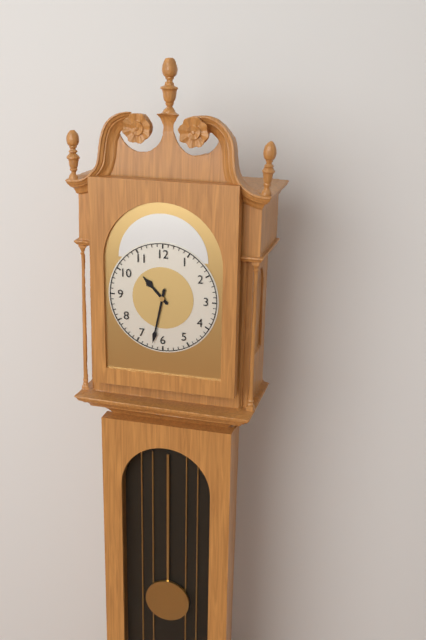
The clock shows **10:32**
